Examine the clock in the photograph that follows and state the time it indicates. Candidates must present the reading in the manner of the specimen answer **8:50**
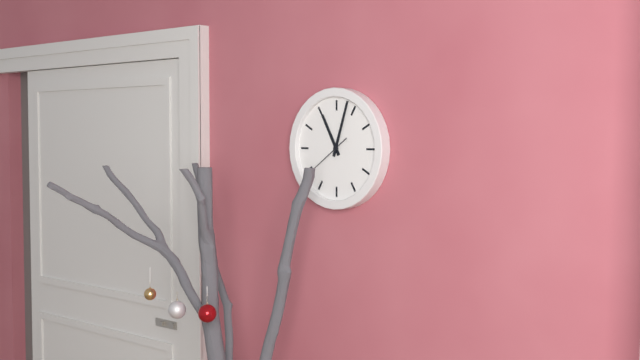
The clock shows **11:03**
